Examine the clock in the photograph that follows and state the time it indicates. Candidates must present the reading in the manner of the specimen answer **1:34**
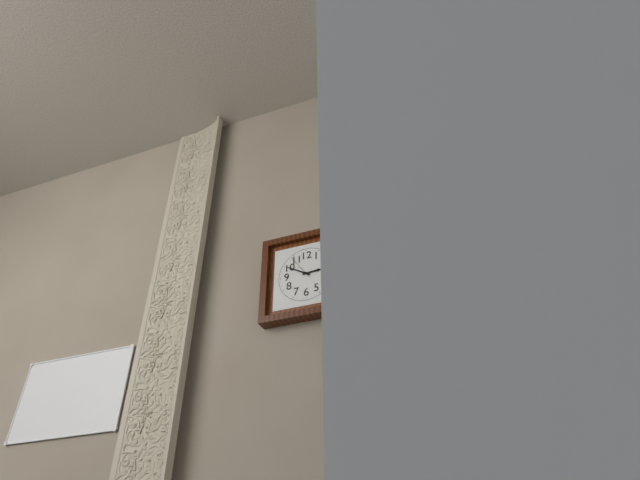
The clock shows **2:50**
